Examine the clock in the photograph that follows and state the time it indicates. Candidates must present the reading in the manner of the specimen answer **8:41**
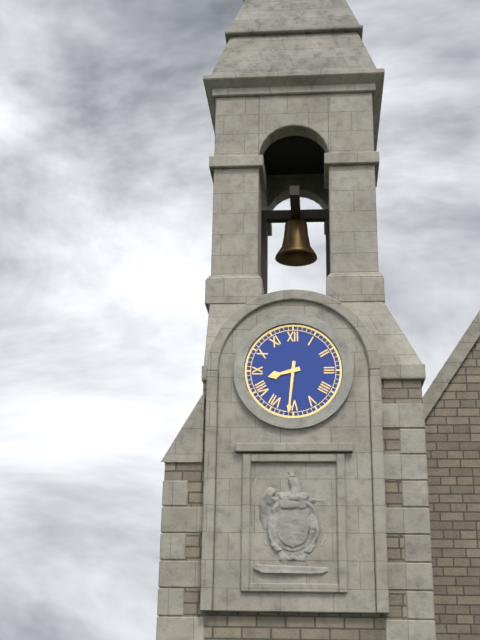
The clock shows **8:31**
